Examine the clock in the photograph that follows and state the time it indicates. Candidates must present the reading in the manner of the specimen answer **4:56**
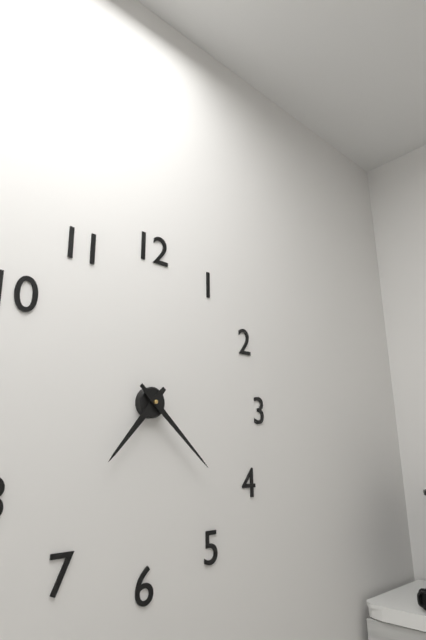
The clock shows **7:22**
